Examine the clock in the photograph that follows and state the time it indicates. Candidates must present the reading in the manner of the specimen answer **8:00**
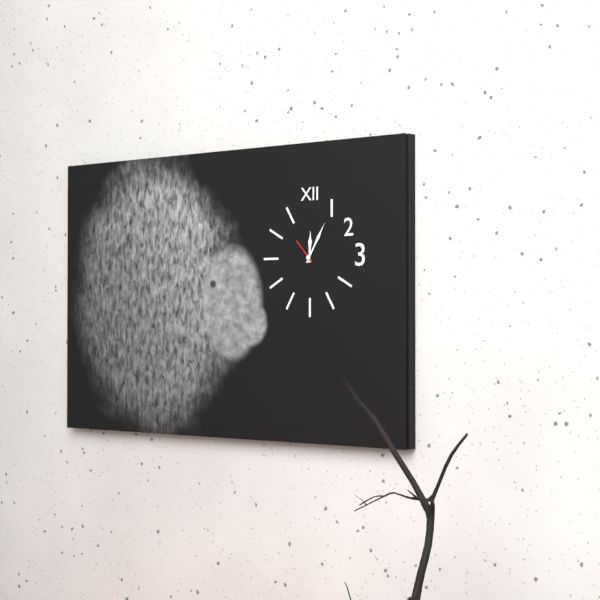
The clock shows **12:05**
